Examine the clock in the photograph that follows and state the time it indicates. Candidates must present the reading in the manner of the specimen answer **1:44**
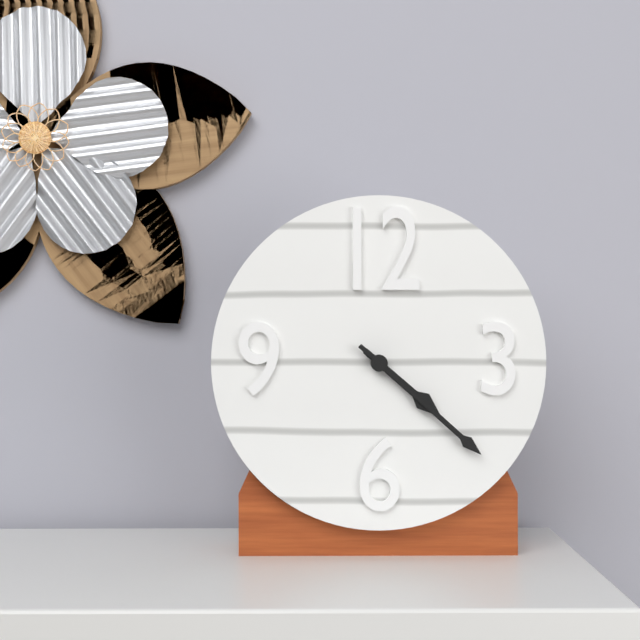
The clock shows **4:22**
